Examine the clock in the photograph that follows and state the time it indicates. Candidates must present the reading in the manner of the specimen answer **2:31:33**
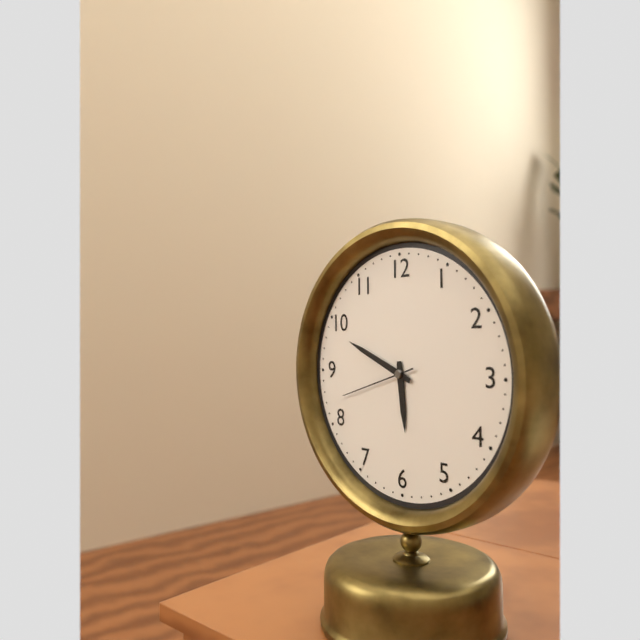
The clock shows **5:49:42**
